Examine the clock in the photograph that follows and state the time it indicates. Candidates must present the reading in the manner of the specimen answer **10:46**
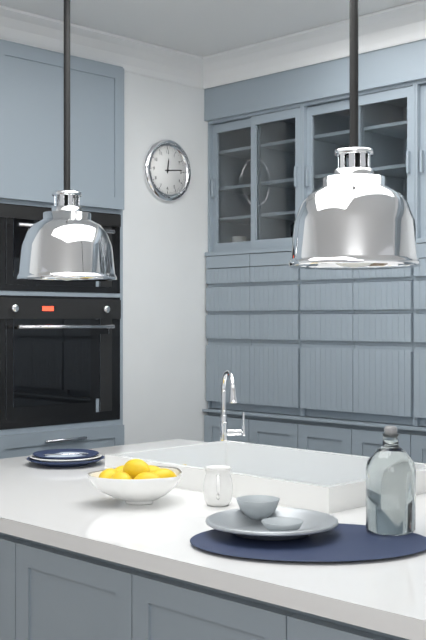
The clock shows **12:14**
